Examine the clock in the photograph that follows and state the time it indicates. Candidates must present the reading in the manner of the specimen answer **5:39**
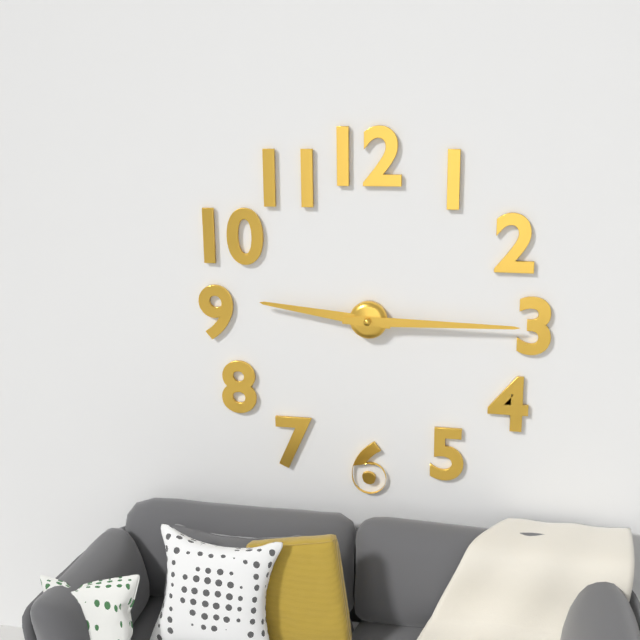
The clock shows **9:15**
